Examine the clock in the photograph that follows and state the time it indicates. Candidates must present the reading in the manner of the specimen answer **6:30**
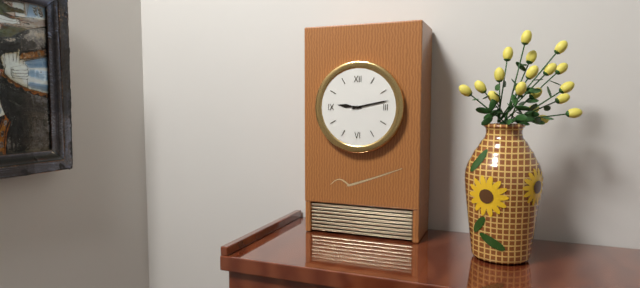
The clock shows **9:13**
